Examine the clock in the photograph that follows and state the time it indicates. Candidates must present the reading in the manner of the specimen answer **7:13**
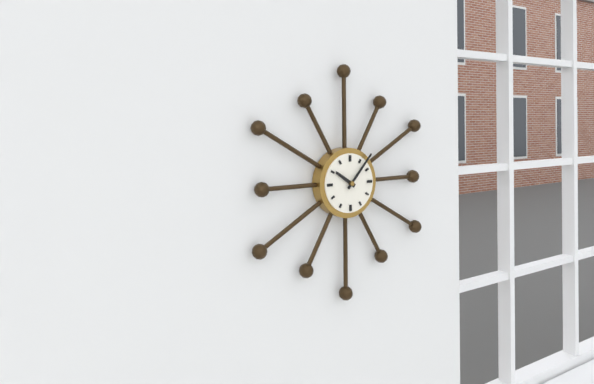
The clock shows **10:07**
